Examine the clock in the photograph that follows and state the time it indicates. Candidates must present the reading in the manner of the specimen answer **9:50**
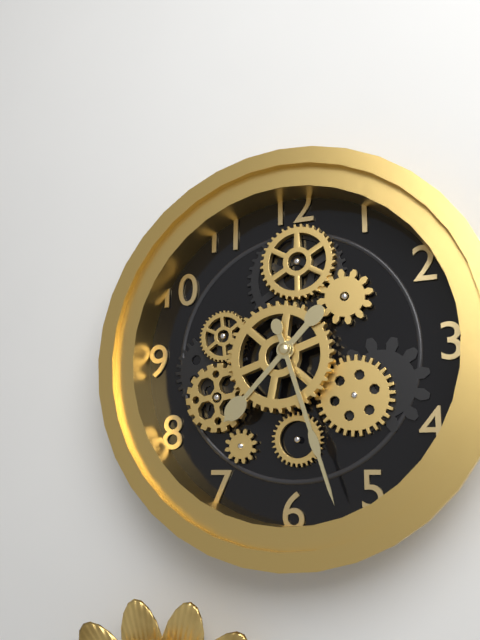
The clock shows **7:27**
